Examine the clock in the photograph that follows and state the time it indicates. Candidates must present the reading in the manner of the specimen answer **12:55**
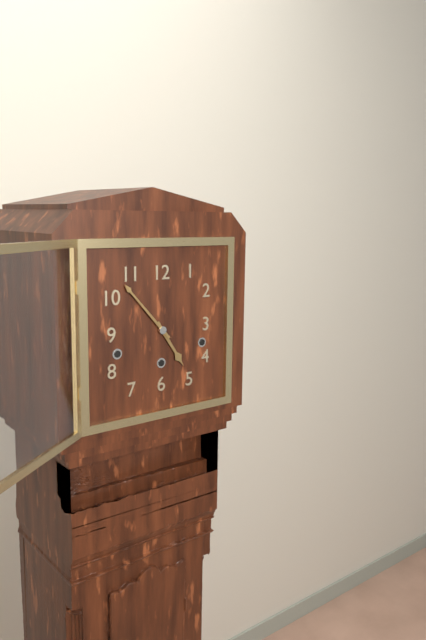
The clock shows **4:53**
